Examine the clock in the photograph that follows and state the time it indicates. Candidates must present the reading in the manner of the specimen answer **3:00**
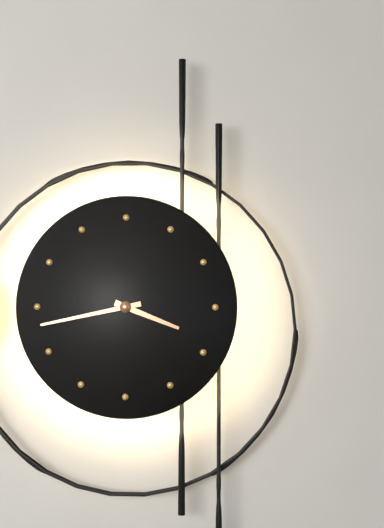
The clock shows **3:43**
